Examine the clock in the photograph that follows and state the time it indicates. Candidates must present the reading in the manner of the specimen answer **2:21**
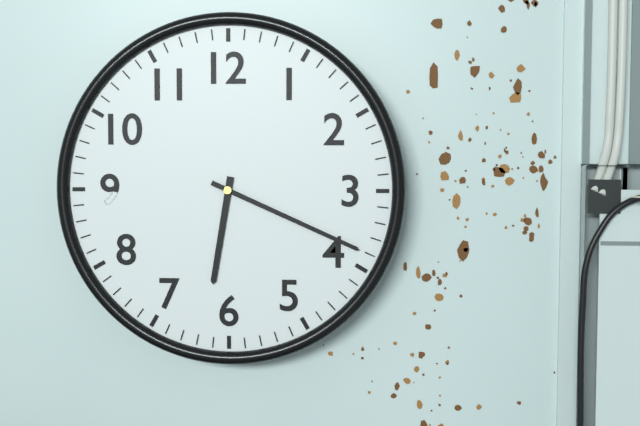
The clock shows **6:19**
